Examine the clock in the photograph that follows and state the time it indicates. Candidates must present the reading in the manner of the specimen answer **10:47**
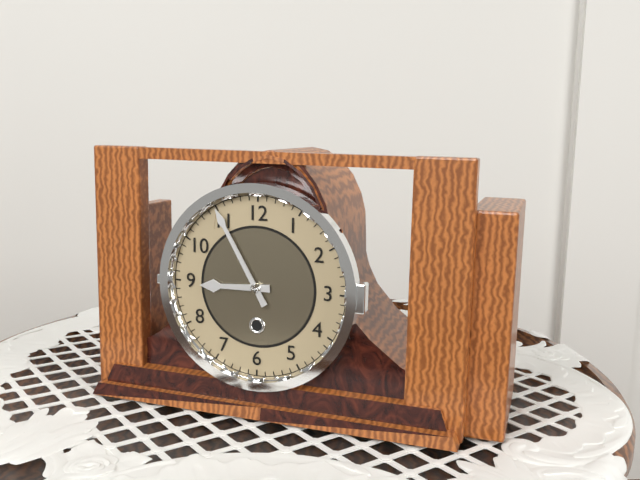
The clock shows **8:55**
